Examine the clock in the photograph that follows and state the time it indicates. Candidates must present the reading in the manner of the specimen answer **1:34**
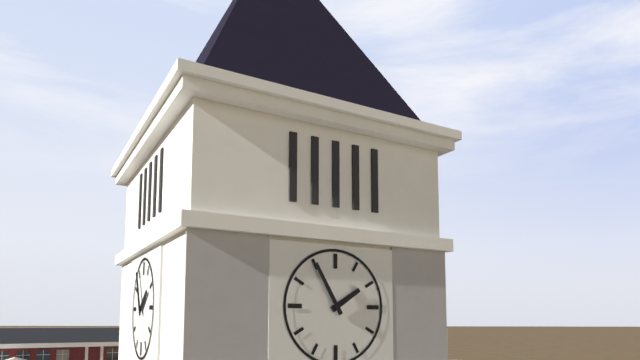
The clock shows **1:55**
